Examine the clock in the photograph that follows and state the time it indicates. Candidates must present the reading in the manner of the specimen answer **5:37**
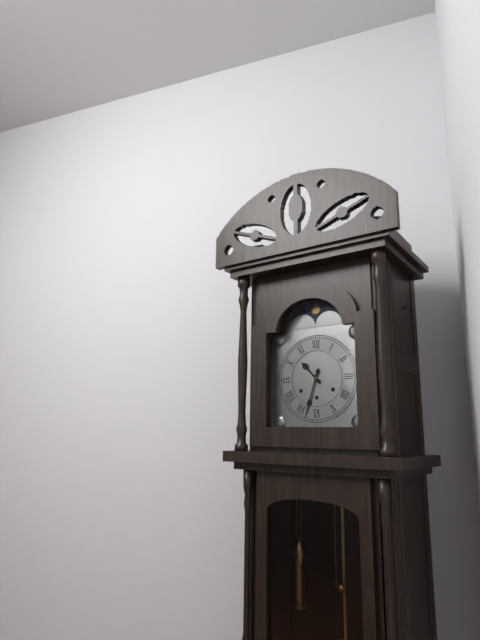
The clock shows **10:33**
